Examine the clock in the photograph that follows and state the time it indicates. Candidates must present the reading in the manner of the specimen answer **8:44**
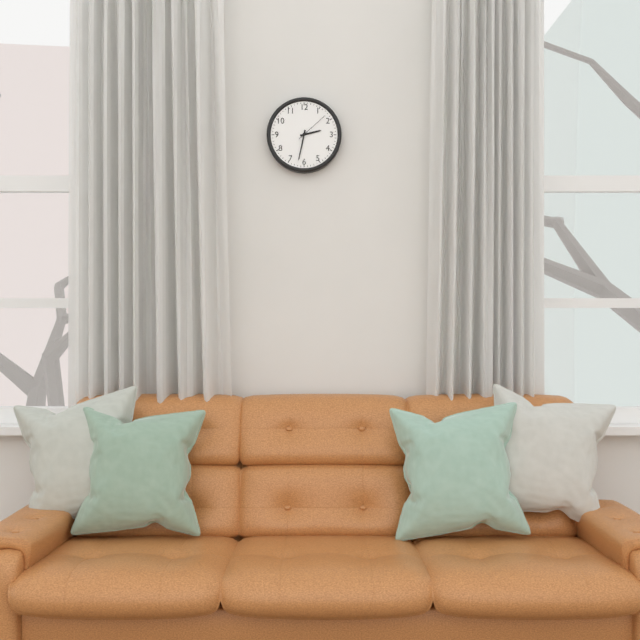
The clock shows **2:32**
